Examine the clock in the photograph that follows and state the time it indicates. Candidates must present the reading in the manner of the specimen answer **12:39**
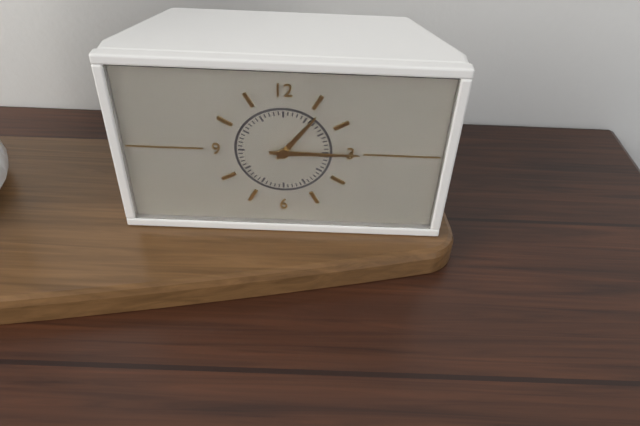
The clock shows **1:15**
